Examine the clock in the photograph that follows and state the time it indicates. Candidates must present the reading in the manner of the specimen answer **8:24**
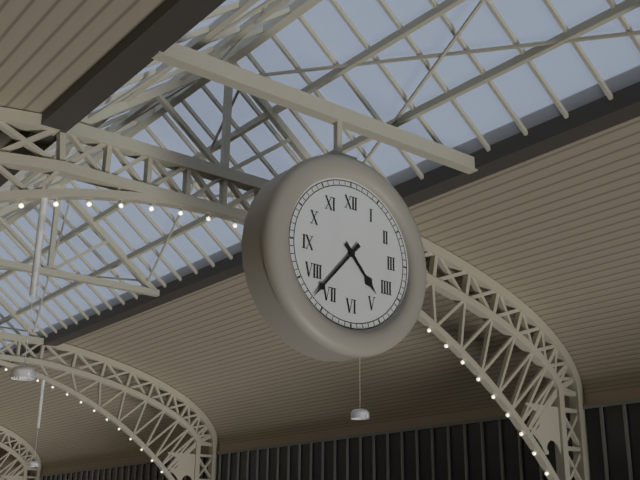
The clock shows **4:37**
